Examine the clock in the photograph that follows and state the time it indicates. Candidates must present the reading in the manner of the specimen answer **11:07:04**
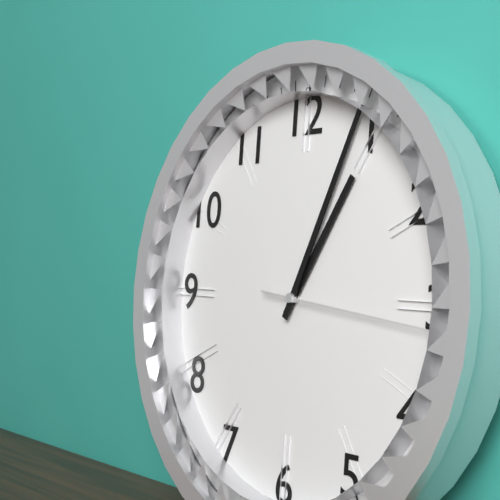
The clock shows **1:04:16**
